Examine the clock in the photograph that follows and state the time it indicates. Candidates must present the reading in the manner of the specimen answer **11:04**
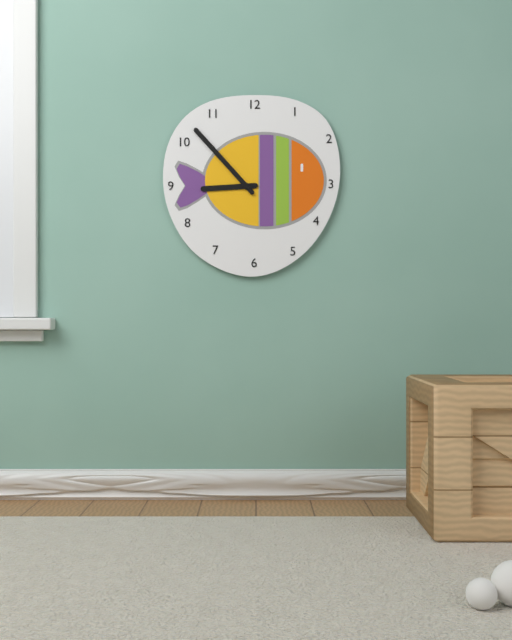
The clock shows **8:53**
